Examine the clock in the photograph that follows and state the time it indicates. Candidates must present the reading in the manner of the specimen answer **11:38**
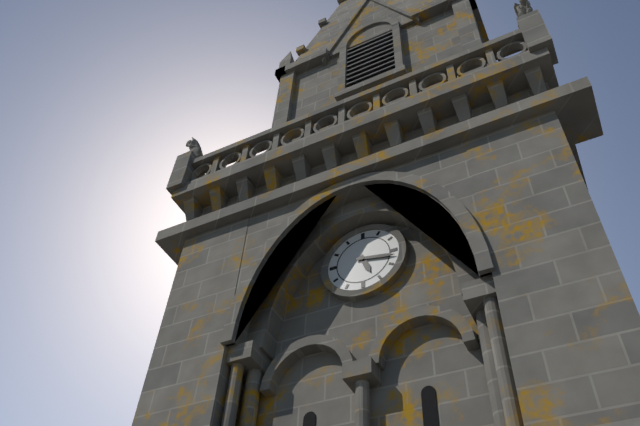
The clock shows **5:17**
